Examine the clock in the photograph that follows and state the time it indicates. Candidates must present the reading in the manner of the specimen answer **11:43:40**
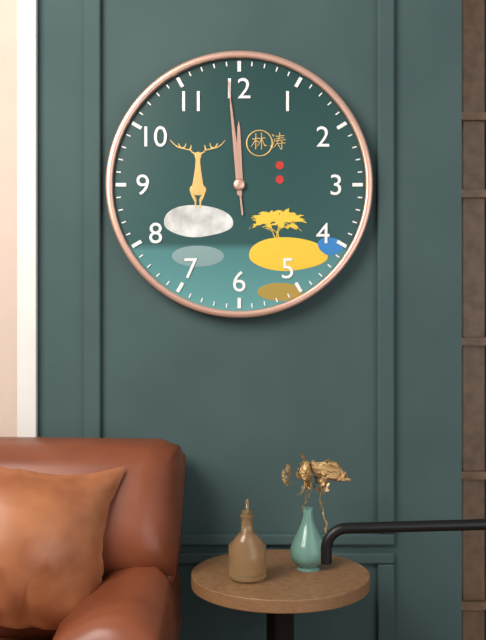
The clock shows **11:59:59**
